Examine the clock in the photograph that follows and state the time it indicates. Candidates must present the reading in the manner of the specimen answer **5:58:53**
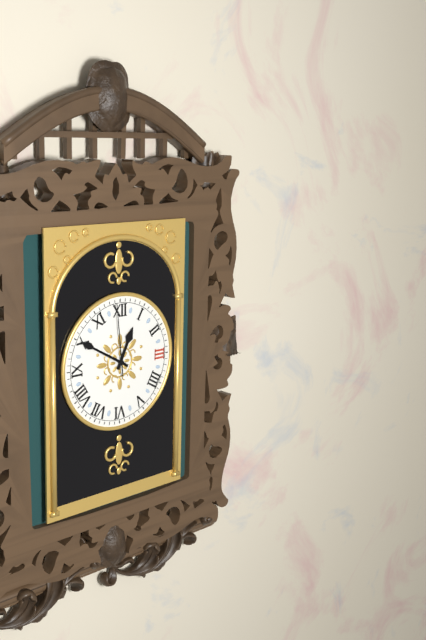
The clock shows **12:50:59**
